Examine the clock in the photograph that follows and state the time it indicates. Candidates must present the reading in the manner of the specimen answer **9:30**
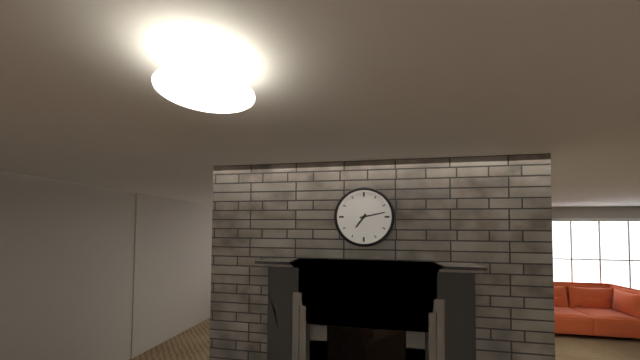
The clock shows **7:13**
